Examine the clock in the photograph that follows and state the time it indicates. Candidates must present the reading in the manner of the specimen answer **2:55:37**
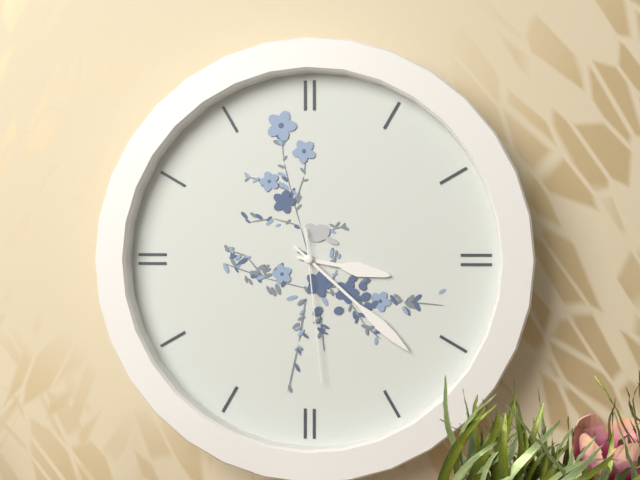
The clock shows **3:22:29**
